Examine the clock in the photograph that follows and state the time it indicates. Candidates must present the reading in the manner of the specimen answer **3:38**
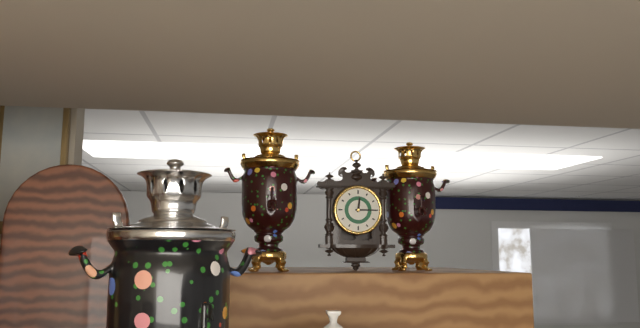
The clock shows **12:15**
